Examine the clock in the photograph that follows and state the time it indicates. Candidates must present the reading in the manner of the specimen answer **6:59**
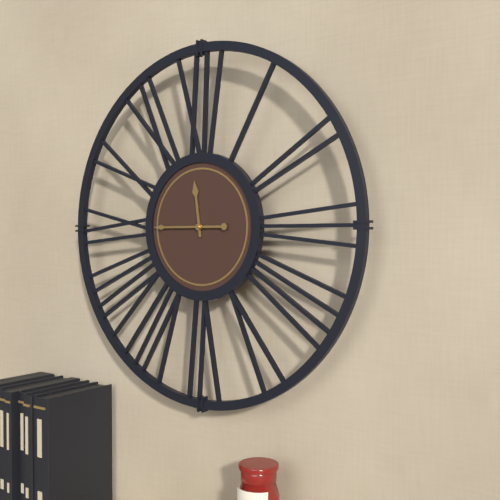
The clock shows **11:45**
